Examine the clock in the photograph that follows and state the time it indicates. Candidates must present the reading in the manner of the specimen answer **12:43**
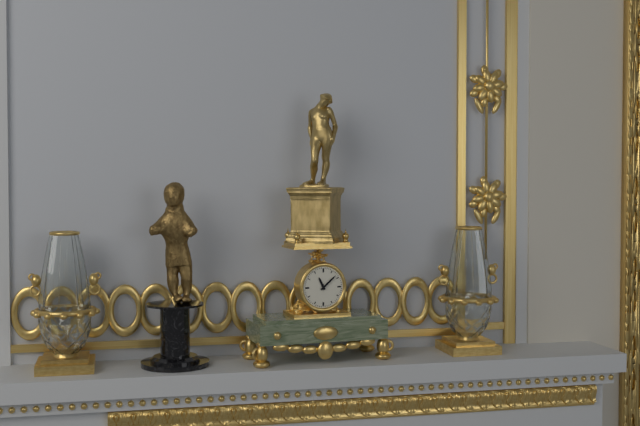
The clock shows **11:08**
